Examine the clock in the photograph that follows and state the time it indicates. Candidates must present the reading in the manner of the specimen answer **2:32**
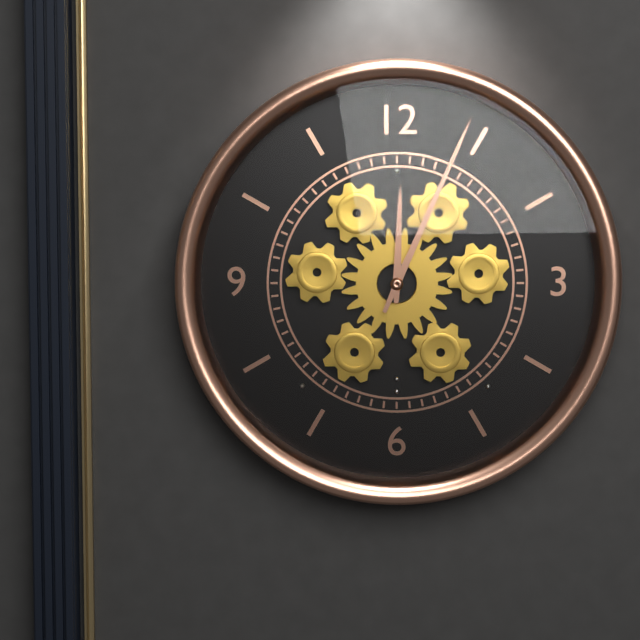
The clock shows **12:04**
